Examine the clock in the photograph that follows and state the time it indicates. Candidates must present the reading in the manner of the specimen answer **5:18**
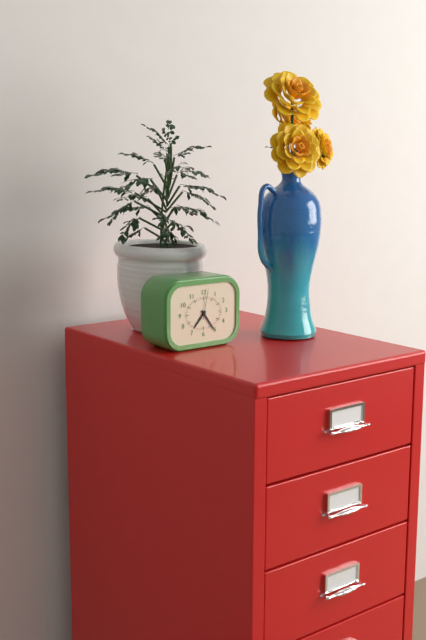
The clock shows **7:24**
